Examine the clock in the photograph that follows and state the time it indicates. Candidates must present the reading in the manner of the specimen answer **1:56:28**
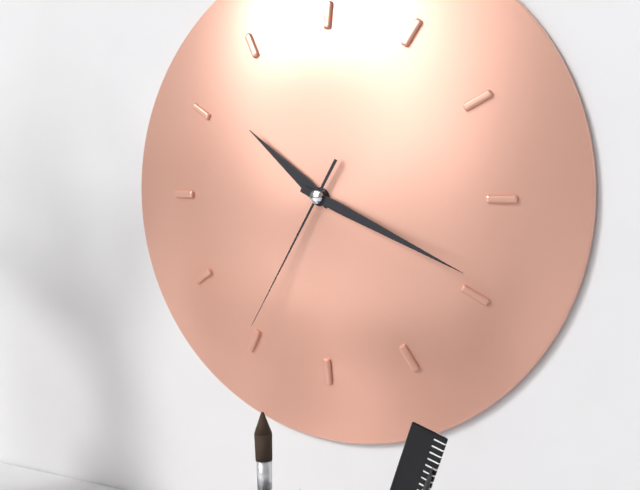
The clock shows **10:19:35**
